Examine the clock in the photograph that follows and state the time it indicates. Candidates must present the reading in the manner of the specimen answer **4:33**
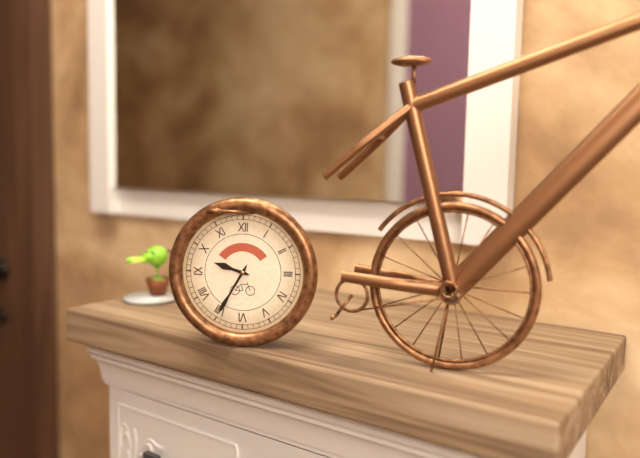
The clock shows **9:35**
